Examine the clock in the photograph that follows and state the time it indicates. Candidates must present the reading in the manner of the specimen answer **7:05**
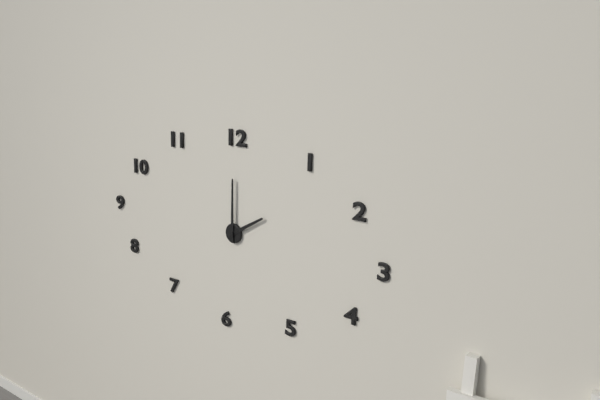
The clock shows **2:00**
